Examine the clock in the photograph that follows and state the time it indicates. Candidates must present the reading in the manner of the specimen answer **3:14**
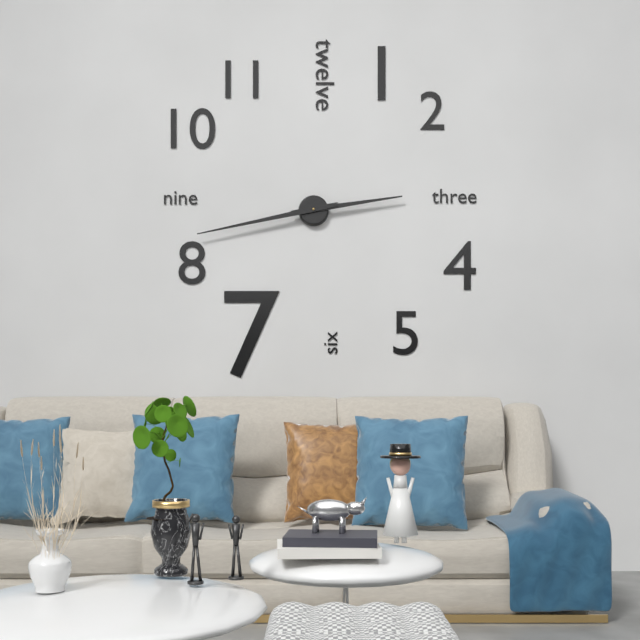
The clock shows **2:43**
